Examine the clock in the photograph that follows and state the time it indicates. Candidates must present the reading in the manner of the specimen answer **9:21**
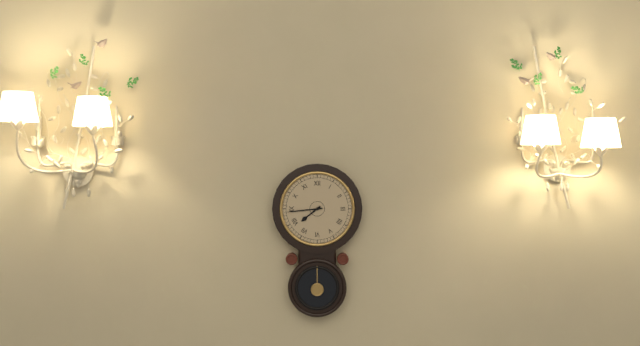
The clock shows **7:44**
